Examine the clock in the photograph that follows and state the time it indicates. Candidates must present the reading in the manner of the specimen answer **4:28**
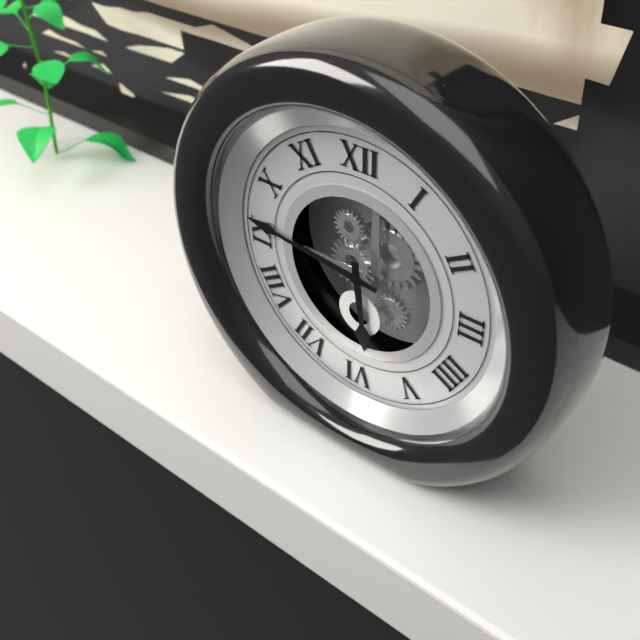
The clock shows **5:46**
